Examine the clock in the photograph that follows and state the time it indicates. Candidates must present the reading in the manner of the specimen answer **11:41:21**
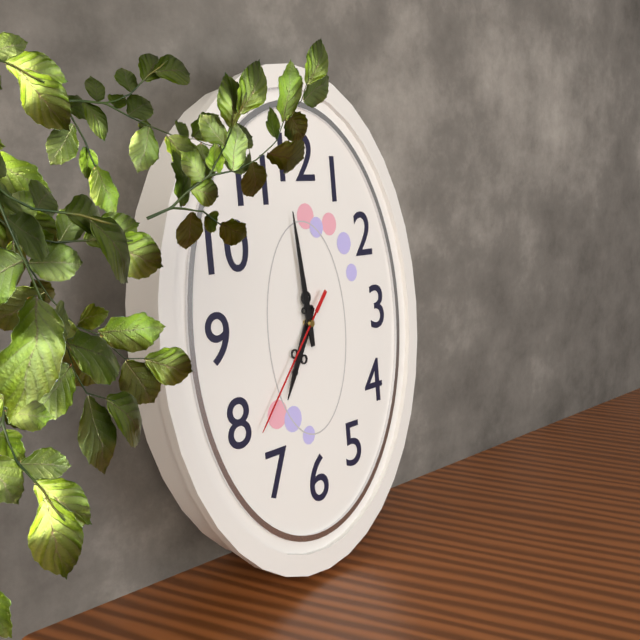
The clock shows **6:59:37**
